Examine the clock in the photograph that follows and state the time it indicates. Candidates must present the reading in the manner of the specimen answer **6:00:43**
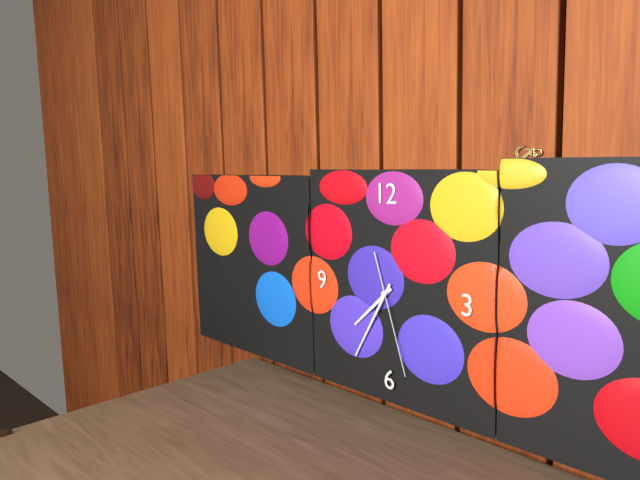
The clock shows **7:35:27**
